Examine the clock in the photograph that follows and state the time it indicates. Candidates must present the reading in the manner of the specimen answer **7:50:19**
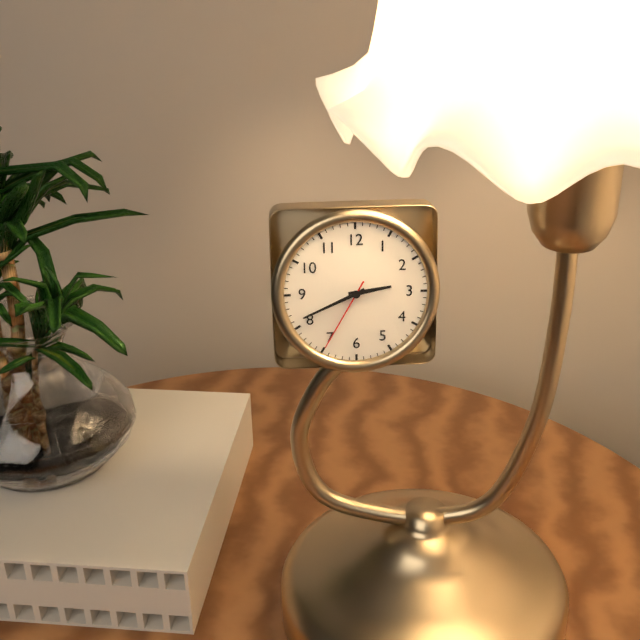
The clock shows **2:41:35**
